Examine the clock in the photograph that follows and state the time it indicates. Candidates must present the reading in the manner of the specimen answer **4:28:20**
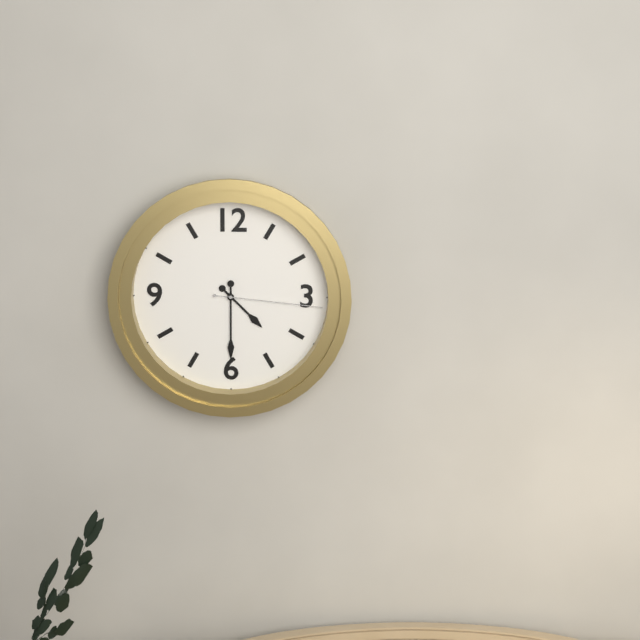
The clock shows **4:30:16**
